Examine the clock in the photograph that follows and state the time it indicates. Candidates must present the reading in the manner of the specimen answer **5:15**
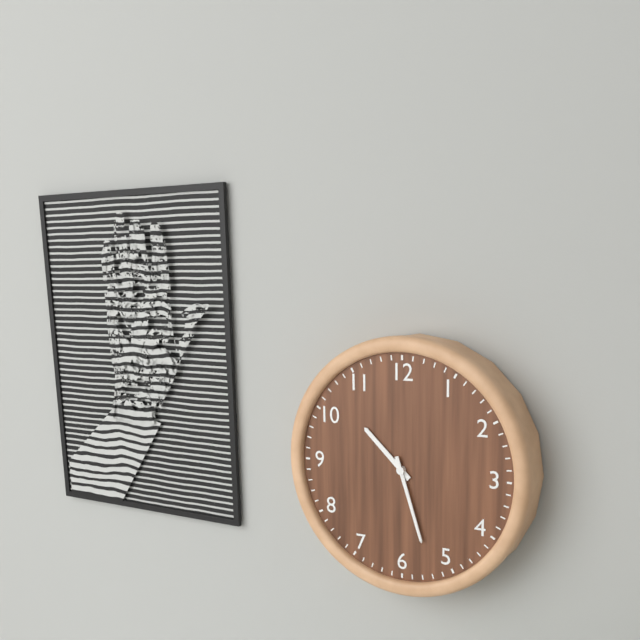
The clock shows **10:27**
